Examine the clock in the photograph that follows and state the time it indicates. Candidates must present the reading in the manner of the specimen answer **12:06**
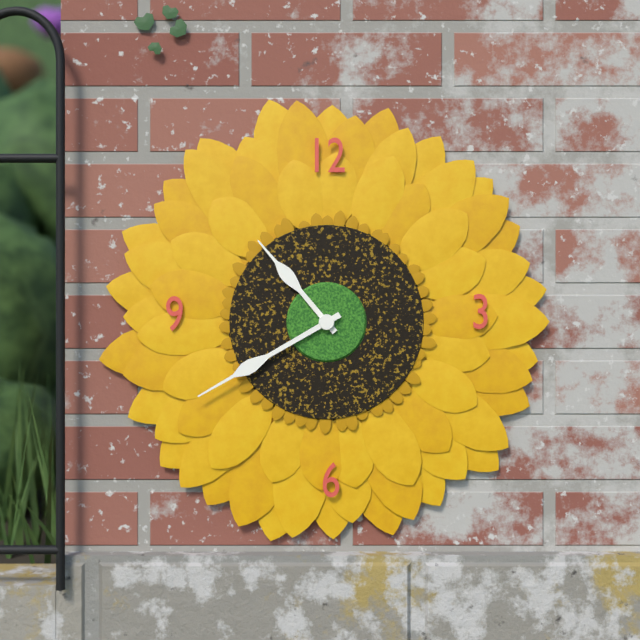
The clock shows **10:40**
